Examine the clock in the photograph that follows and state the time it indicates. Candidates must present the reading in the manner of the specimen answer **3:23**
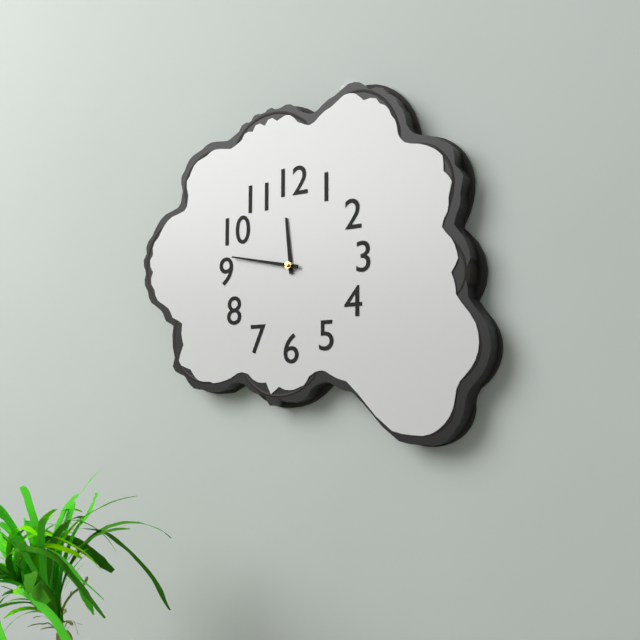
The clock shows **11:47**
